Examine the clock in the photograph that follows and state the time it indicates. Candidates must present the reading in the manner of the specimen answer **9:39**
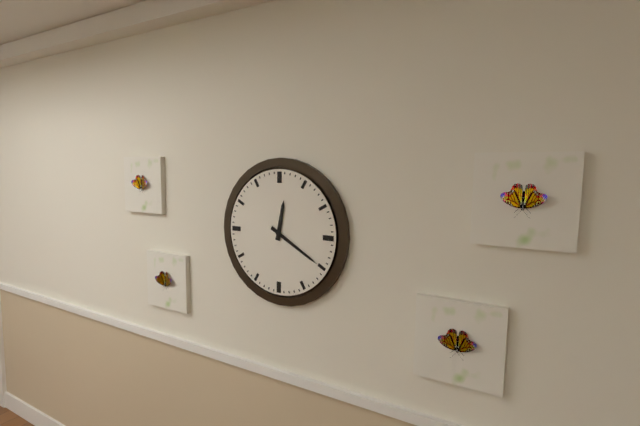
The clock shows **12:20**
